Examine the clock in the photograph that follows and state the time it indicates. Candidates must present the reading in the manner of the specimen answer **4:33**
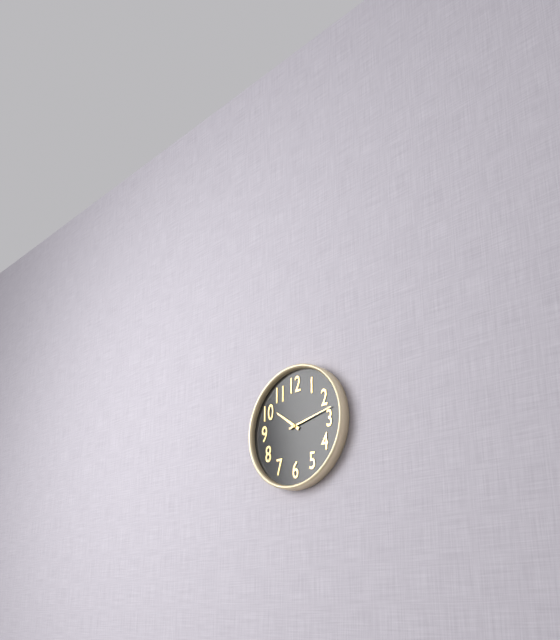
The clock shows **10:13**
